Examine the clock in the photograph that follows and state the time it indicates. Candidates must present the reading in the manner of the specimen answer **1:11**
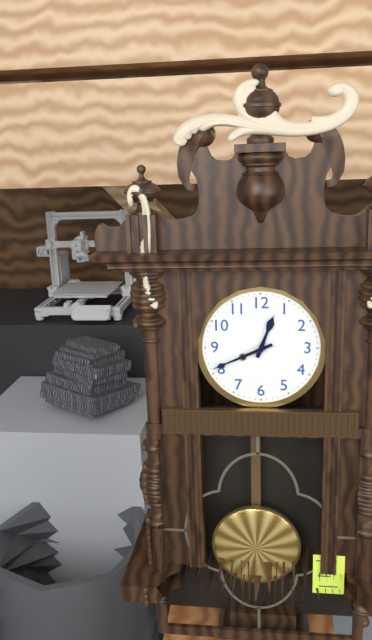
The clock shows **12:41**
